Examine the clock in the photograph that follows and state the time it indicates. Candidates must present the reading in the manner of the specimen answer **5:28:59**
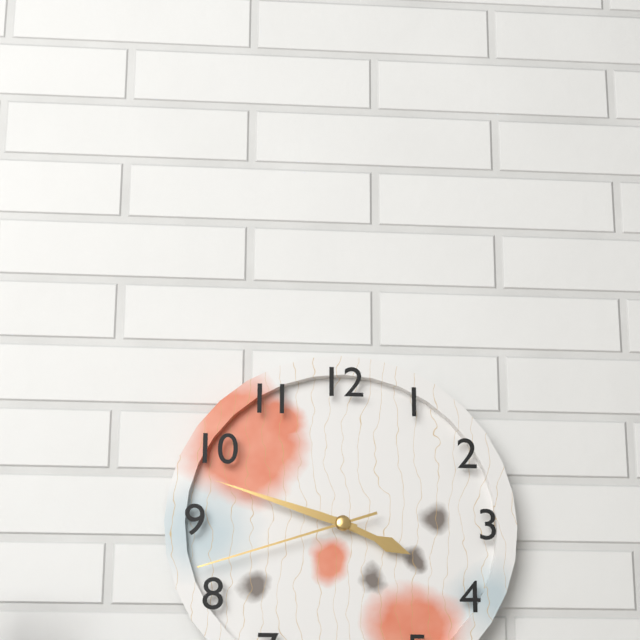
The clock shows **3:48:42**
